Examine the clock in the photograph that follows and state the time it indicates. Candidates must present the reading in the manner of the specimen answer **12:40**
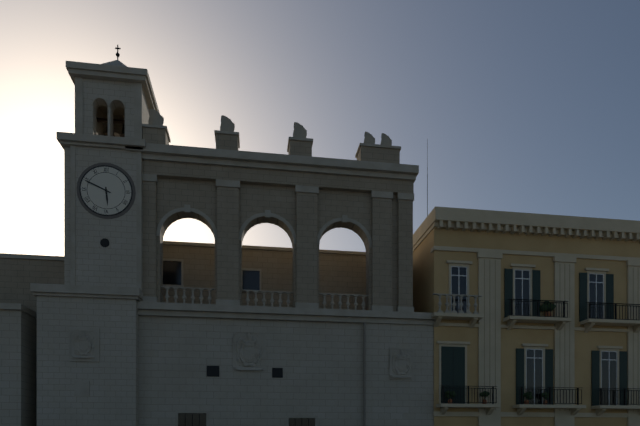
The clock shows **5:49**
